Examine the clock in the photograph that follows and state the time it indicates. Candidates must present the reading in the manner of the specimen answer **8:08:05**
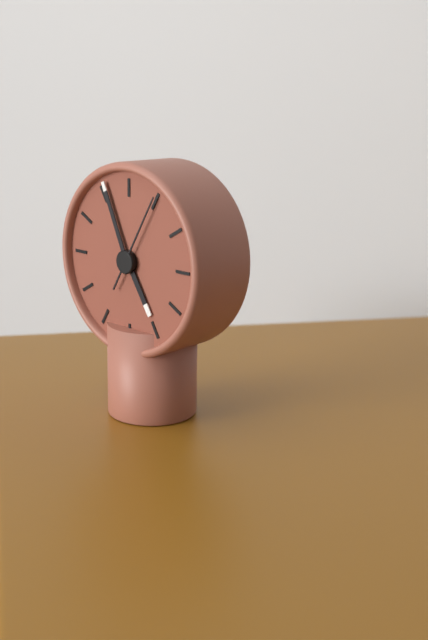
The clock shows **4:56:05**
